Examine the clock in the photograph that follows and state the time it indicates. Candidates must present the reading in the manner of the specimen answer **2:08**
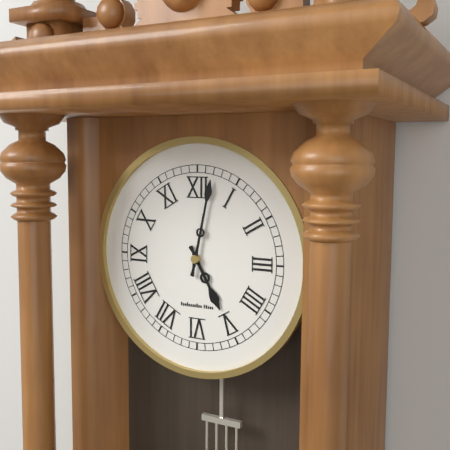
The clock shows **5:02**
